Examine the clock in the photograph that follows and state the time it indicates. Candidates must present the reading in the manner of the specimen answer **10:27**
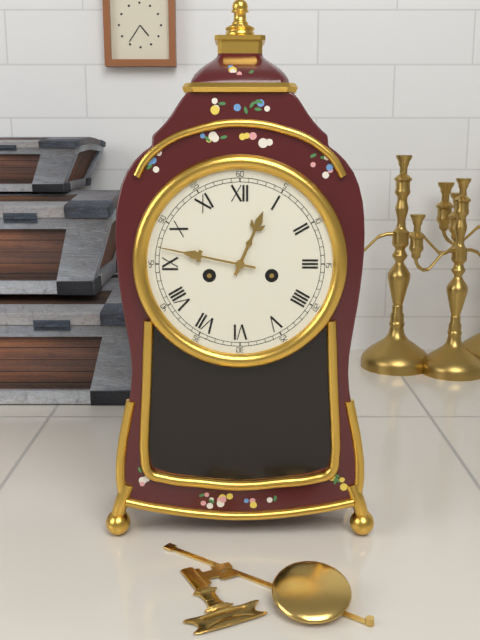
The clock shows **12:47**
